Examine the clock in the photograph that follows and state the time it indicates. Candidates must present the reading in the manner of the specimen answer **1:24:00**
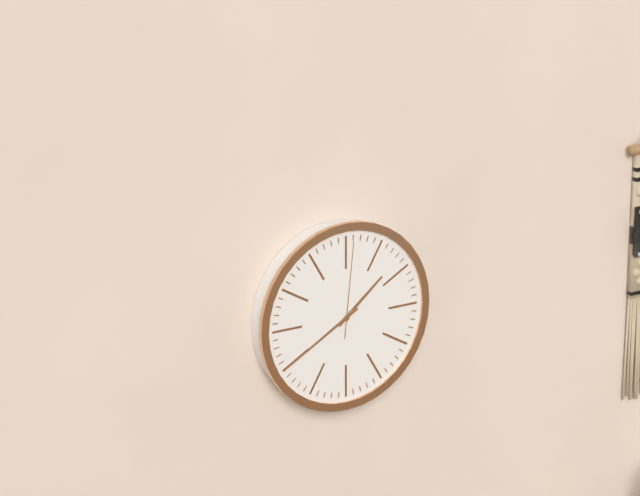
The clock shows **1:40:01**
